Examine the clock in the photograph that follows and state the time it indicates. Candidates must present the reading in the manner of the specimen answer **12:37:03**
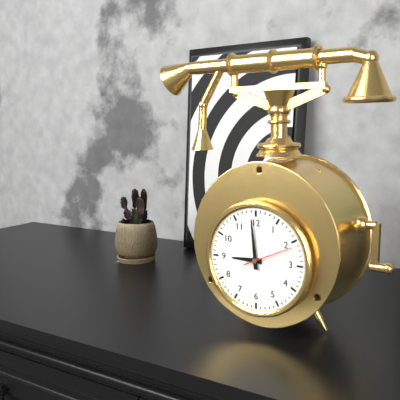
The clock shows **8:59:11**
